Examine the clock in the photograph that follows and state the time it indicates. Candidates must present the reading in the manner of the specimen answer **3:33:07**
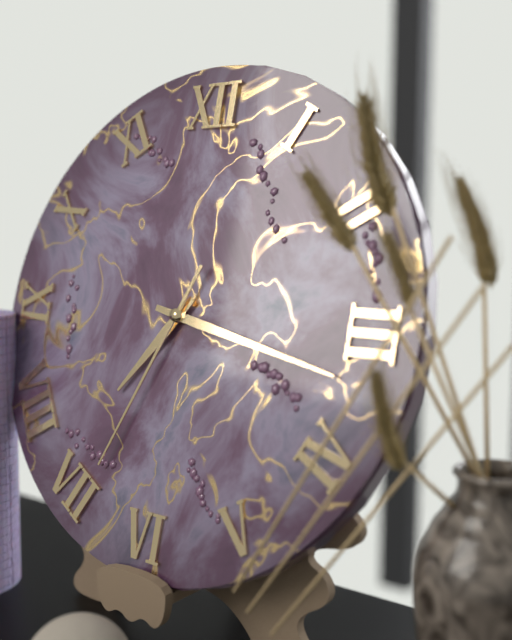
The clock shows **7:17:34**
